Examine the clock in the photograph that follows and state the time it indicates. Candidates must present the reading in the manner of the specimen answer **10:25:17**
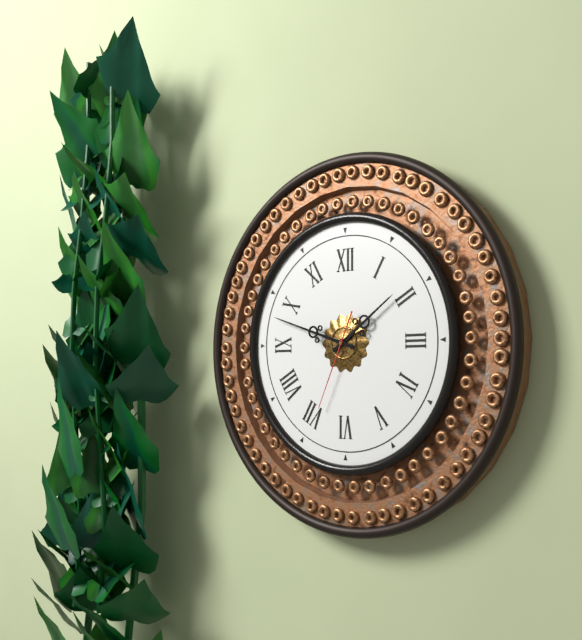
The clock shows **1:48:34**
